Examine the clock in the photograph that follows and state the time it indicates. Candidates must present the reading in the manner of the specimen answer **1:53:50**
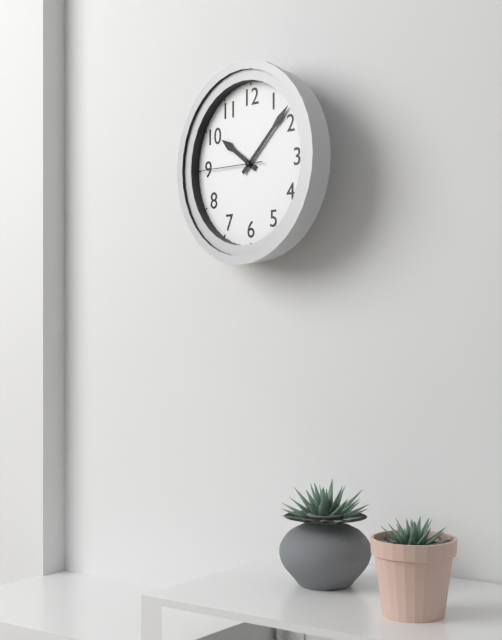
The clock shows **10:08:45**
